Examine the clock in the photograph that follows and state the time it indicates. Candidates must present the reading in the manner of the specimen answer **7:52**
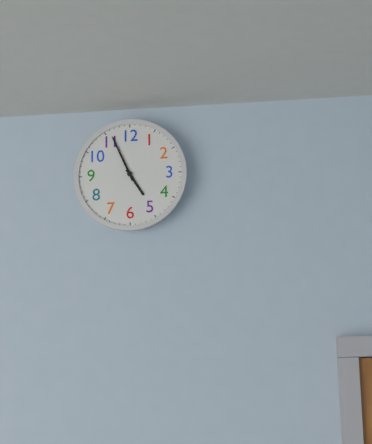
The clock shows **4:56**
